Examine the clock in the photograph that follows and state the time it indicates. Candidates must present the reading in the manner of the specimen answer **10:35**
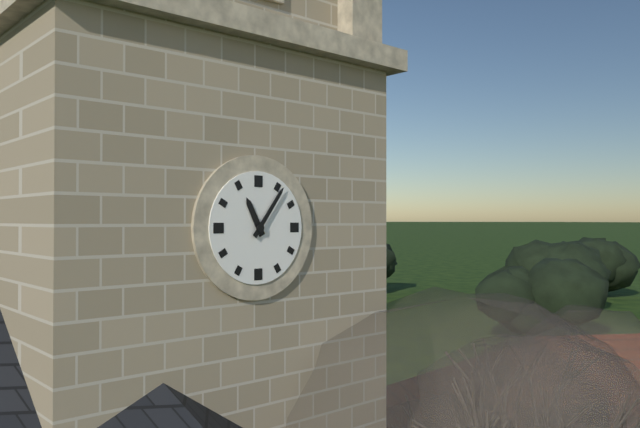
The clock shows **11:06**
